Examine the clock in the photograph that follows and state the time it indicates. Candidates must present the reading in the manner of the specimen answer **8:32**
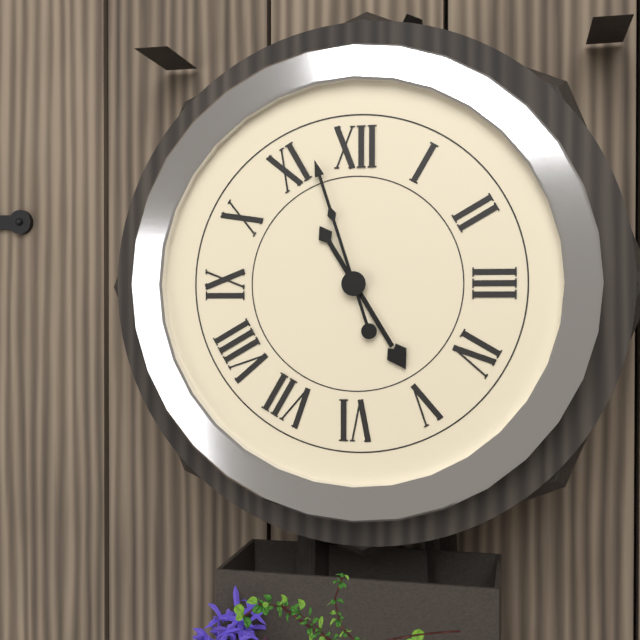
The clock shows **4:57**
